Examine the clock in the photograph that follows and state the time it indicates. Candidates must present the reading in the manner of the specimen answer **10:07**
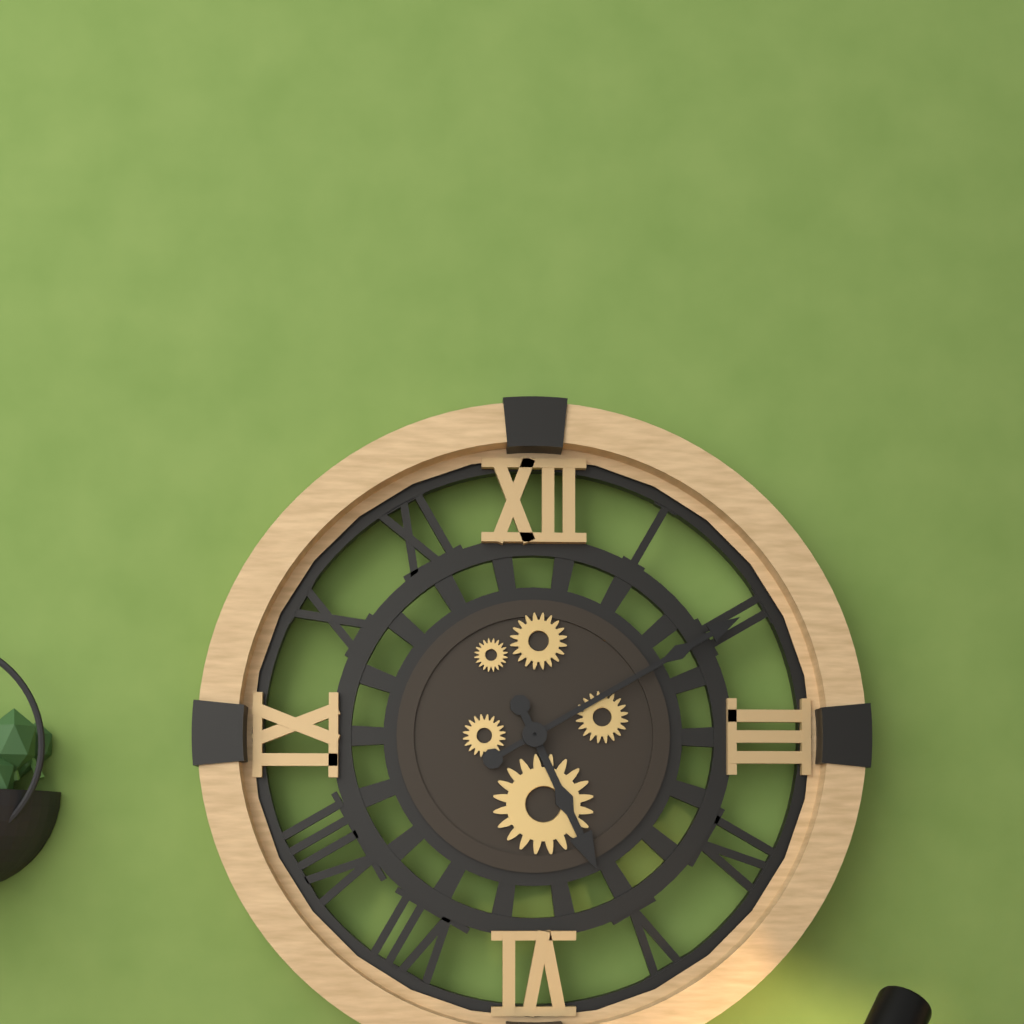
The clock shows **5:10**
